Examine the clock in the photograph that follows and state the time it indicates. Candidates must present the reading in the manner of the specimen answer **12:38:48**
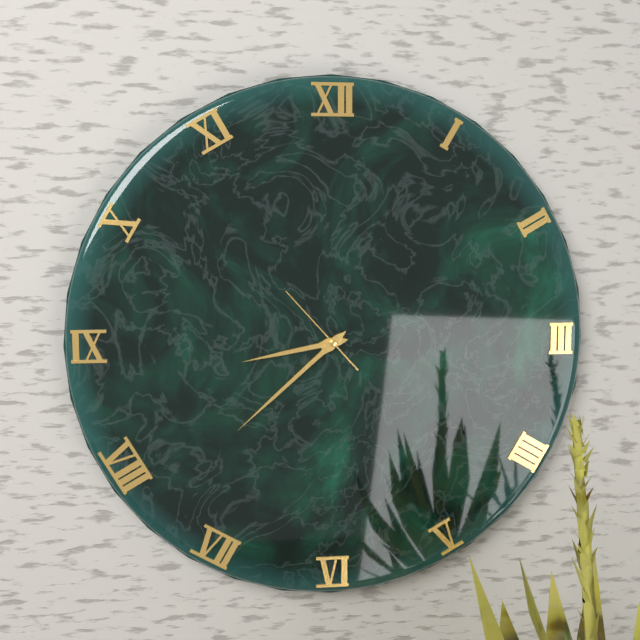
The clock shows **8:38:53**
